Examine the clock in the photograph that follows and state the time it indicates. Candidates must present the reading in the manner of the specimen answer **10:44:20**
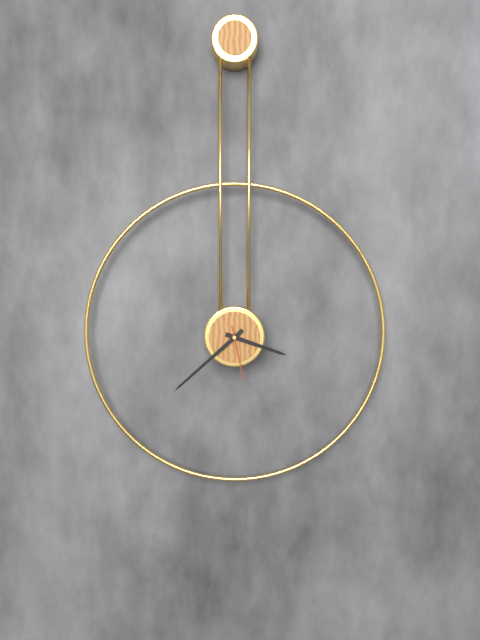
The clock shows **3:38:28**
